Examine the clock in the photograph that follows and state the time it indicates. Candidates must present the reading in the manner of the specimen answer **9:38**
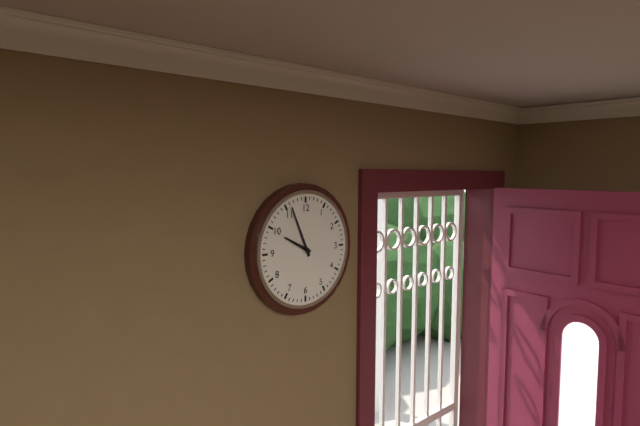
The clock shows **9:56**
